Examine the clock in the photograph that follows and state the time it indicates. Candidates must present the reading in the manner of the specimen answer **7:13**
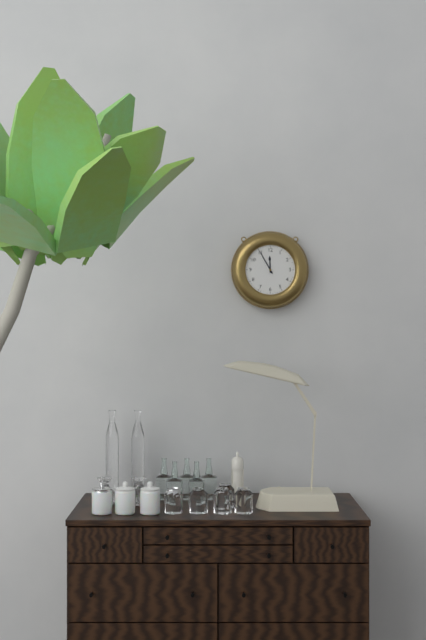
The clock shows **11:55**
